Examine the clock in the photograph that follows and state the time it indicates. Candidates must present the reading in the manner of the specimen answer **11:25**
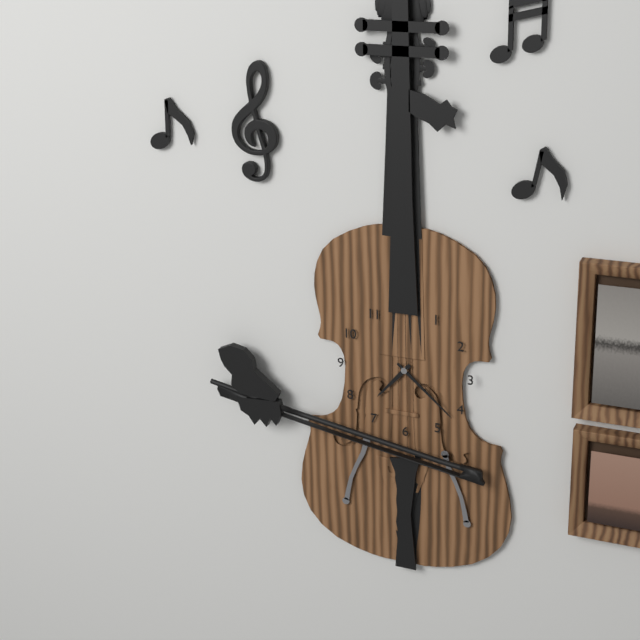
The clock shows **7:22**
